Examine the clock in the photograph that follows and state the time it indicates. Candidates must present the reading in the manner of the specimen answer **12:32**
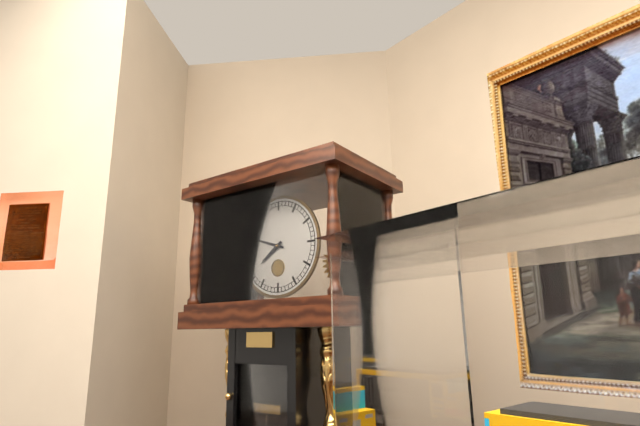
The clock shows **7:48**
